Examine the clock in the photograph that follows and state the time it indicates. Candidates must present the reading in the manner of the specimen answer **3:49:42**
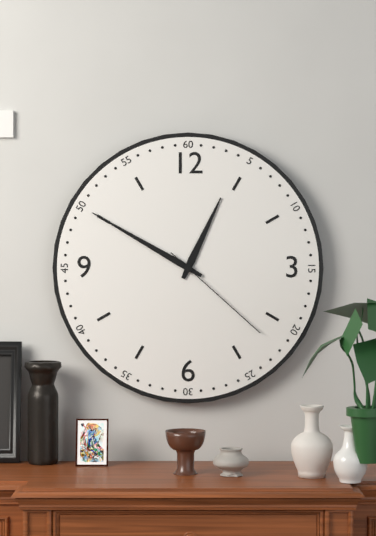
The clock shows **12:50:22**
